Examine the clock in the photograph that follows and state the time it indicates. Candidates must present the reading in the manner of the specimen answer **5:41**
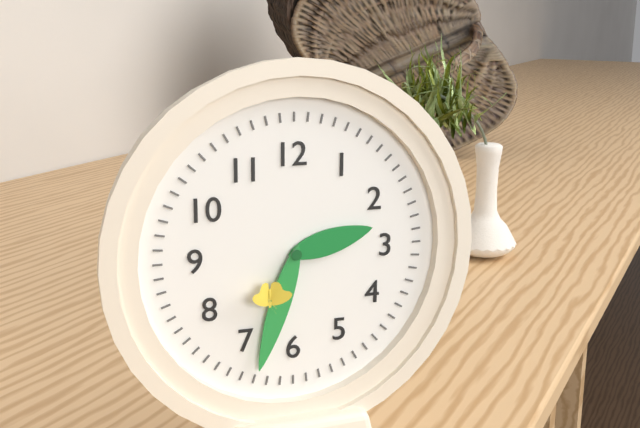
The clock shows **2:33**
